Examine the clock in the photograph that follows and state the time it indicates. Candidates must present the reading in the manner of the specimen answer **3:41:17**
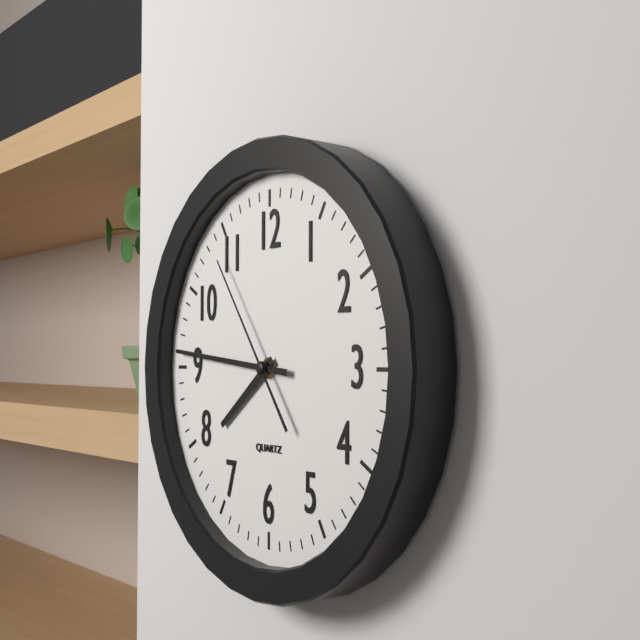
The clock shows **7:46:54**
